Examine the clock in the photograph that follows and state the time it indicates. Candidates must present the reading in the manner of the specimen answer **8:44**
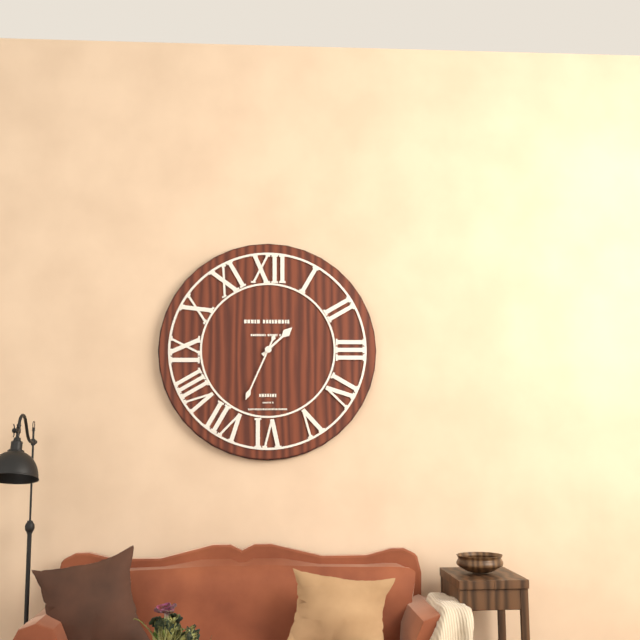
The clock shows **1:34**
